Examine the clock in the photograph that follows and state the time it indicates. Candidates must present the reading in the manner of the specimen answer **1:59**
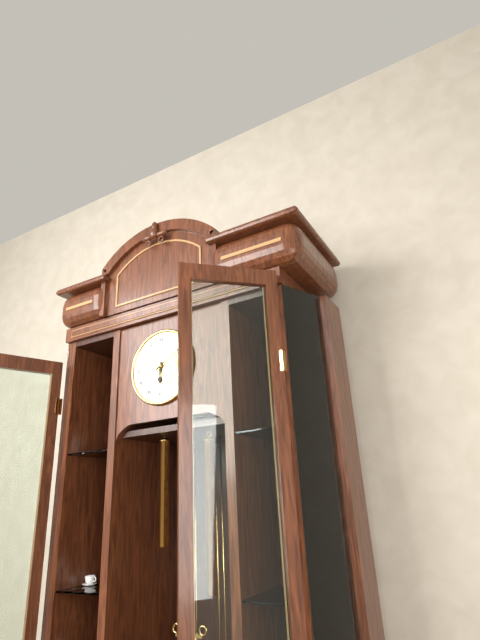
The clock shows **6:10**
